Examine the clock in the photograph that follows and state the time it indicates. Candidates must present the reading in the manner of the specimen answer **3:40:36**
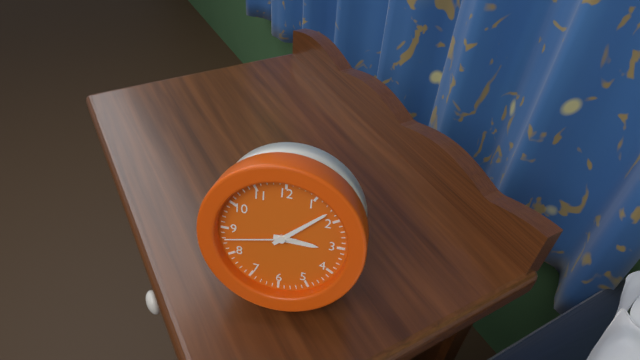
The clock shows **3:08:43**
